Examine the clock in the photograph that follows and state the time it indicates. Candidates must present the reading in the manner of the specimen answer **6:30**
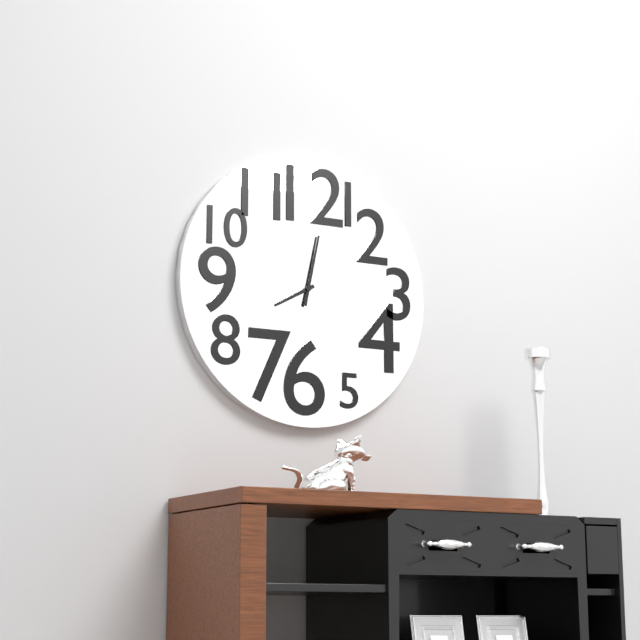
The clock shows **8:02**
